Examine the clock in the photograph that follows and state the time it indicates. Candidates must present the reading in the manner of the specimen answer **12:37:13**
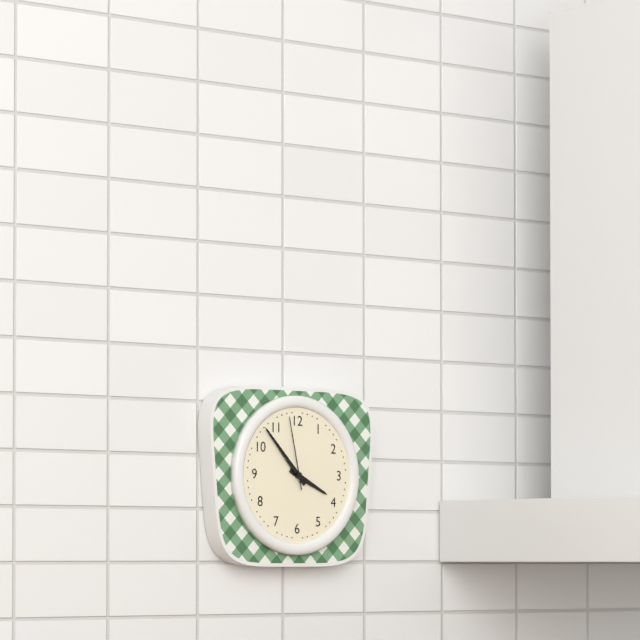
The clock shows **3:53:58**
